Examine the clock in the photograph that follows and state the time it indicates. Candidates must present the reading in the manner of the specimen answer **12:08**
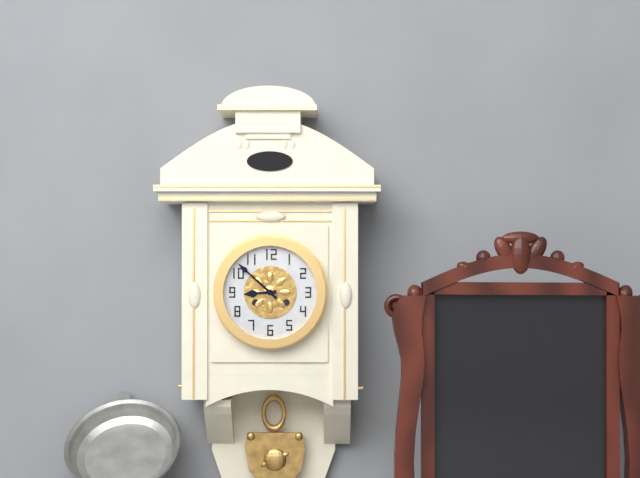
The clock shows **8:52**
